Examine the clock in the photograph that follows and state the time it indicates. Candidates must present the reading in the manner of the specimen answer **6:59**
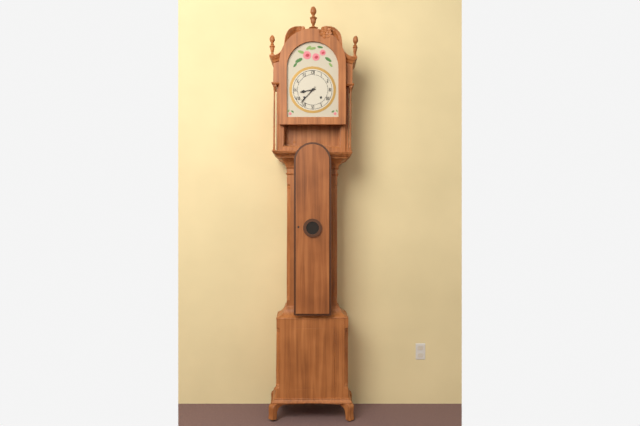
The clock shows **8:37**
